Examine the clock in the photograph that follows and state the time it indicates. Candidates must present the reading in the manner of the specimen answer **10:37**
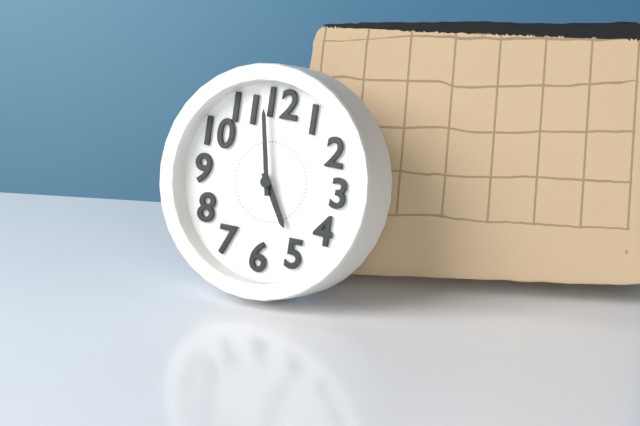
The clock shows **4:58**
